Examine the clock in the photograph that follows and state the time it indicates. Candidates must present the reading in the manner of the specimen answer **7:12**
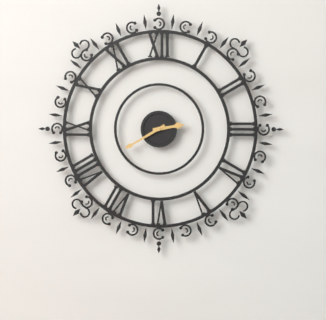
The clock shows **2:40**
